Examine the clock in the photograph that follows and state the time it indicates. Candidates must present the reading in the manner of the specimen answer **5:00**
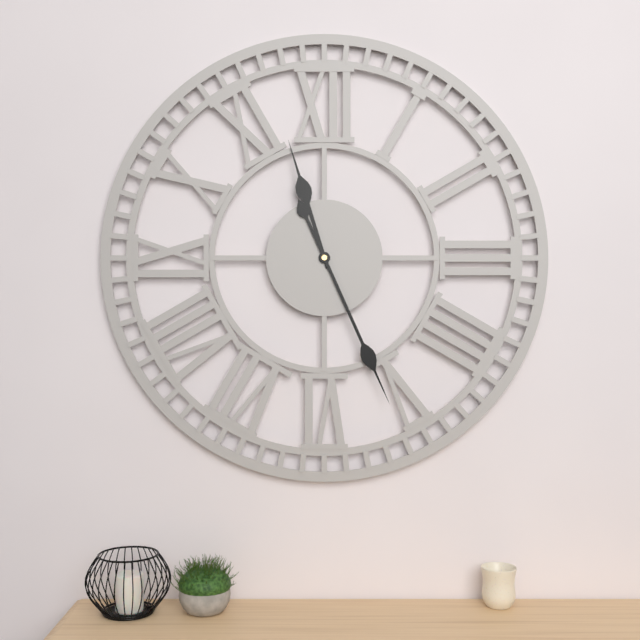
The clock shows **11:26**
